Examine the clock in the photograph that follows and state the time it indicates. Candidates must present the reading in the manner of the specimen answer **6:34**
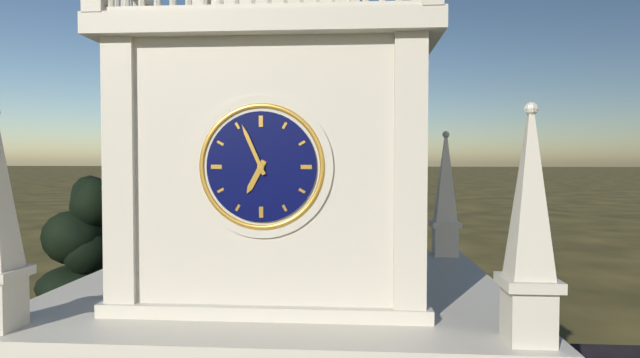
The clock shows **6:56**
